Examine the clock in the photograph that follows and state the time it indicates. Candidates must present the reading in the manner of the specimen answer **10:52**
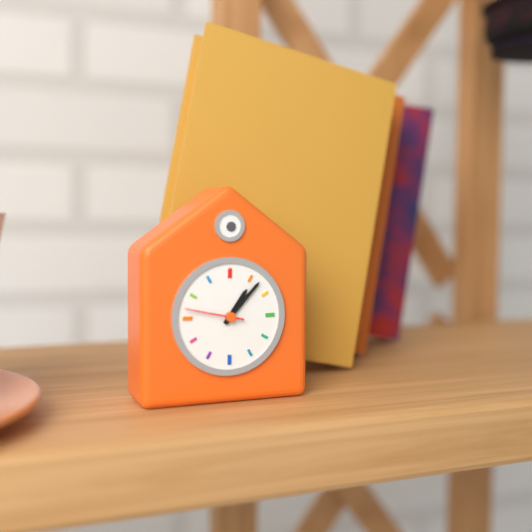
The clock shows **1:07**
